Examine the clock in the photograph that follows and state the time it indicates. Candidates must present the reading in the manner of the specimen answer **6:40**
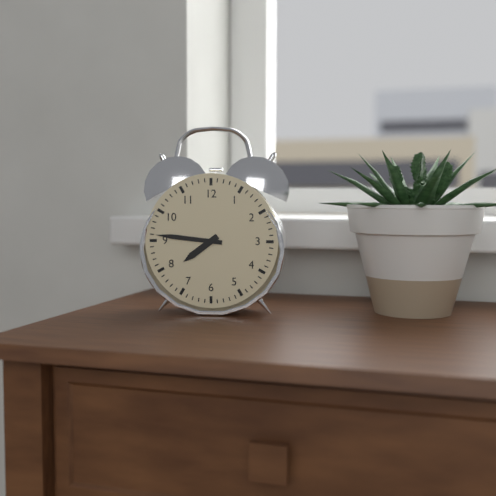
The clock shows **7:46**
